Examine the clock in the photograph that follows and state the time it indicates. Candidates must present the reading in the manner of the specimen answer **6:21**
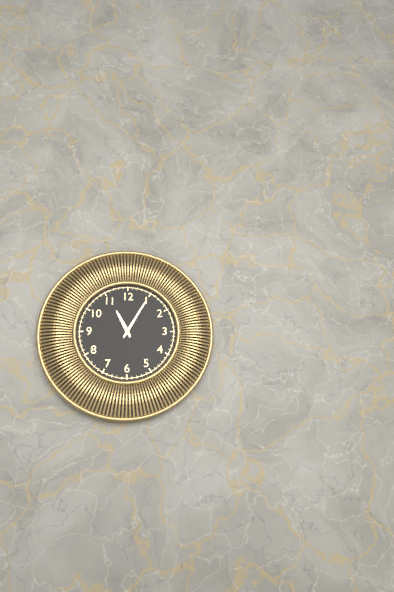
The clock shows **11:05**
